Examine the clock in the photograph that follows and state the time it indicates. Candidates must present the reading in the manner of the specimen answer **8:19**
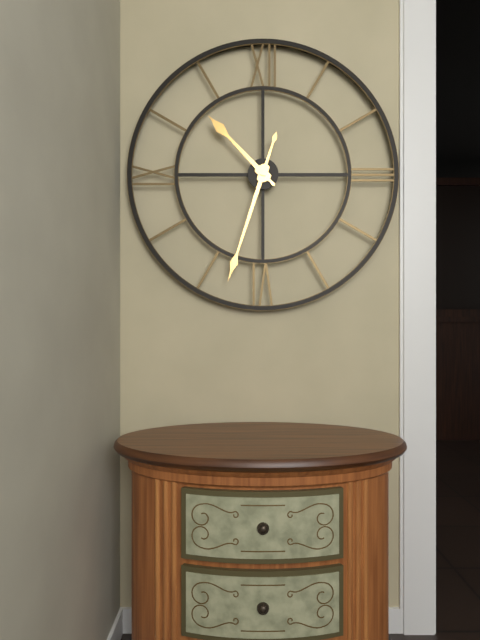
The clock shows **10:33**
